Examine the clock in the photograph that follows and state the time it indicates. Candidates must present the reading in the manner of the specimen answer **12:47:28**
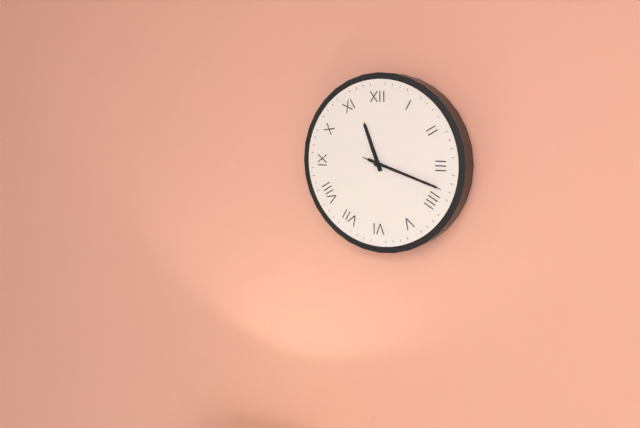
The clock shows **11:18:18**
